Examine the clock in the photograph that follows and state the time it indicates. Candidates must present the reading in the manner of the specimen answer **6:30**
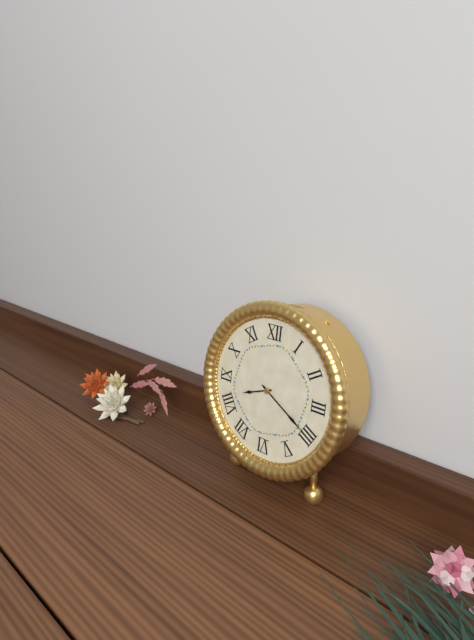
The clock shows **8:20**
